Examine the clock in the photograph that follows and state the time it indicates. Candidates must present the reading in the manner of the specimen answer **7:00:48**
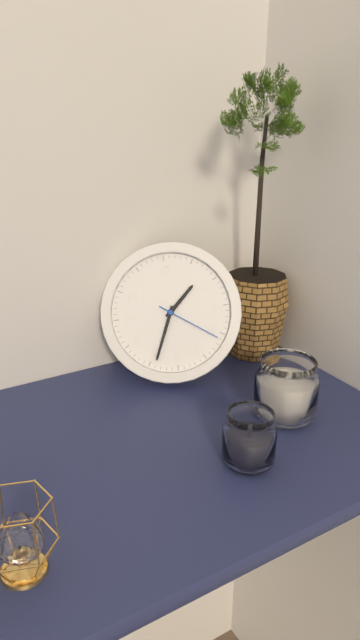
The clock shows **1:34:21**
